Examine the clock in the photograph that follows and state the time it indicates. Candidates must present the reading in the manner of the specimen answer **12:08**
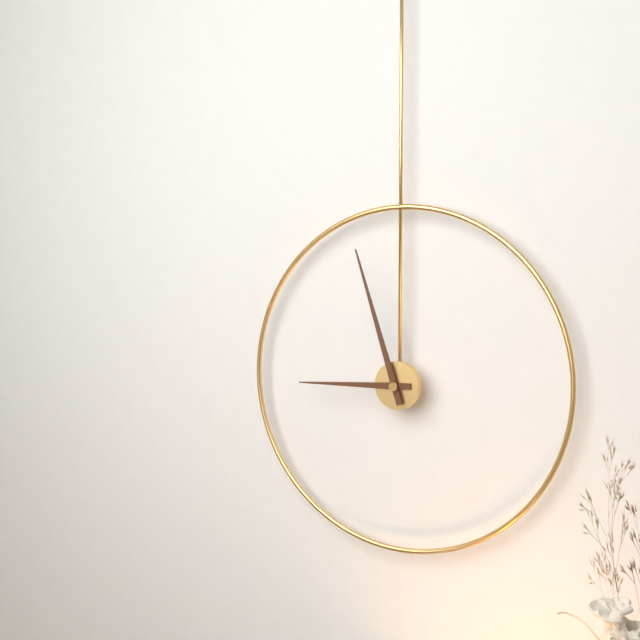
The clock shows **8:57**
